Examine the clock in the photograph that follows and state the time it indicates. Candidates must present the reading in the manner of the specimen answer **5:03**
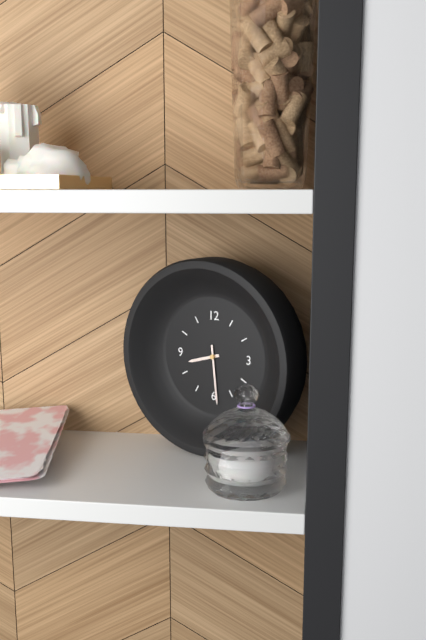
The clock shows **8:29**
